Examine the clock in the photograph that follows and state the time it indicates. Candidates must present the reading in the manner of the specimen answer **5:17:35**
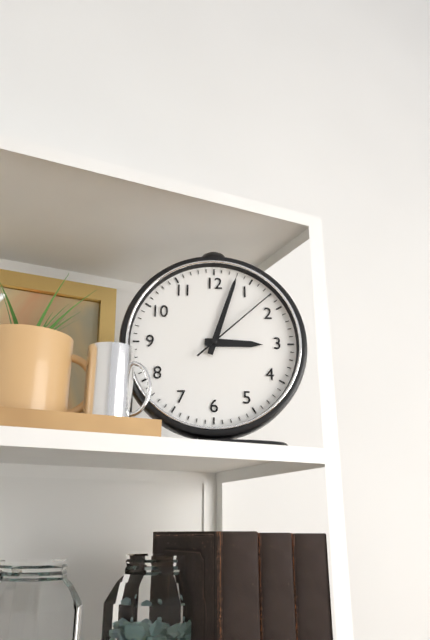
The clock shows **3:03:08**
